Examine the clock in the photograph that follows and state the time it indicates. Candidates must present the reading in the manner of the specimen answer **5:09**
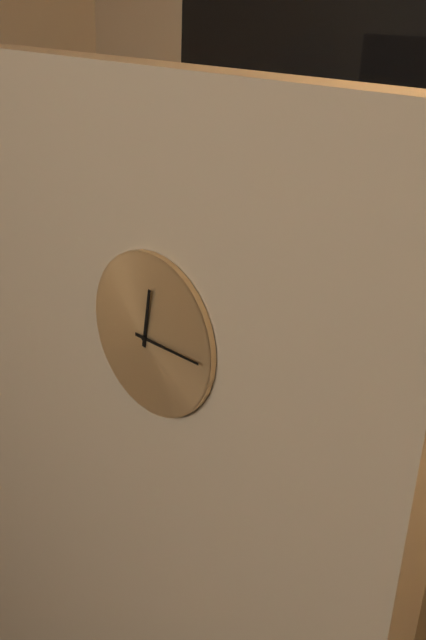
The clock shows **12:15**
